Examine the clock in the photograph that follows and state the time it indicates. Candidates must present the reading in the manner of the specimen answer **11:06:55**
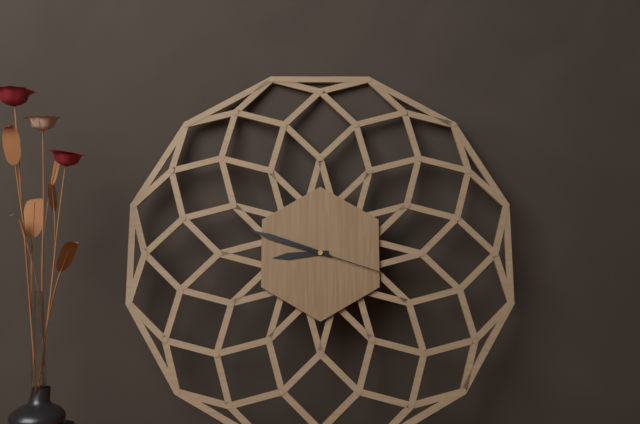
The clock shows **8:48:18**
